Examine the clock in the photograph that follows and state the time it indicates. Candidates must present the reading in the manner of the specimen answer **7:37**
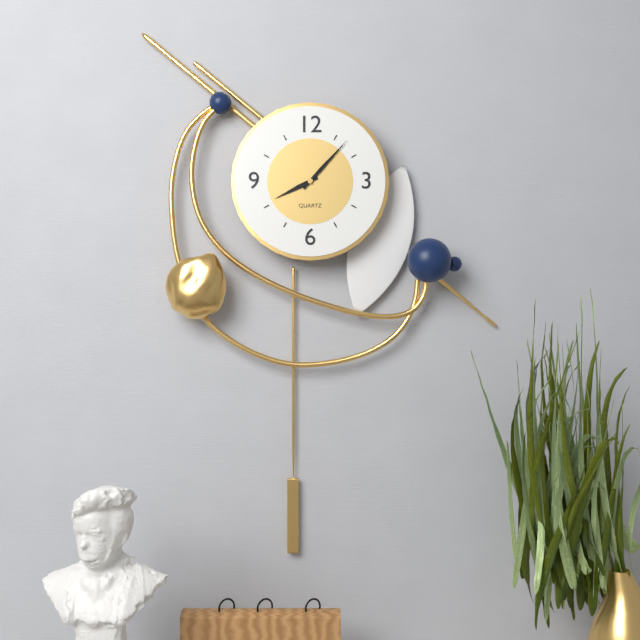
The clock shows **8:07**
